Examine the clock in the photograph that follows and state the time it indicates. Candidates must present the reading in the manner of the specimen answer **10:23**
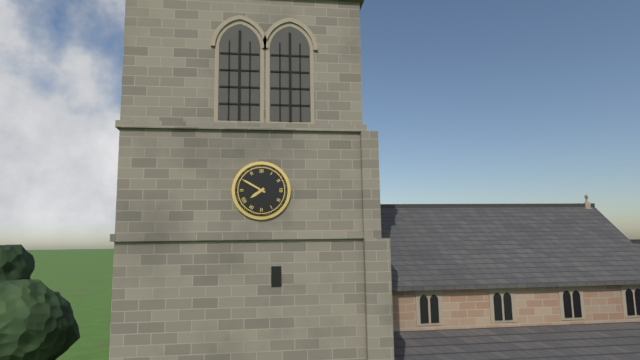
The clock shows **7:50**
